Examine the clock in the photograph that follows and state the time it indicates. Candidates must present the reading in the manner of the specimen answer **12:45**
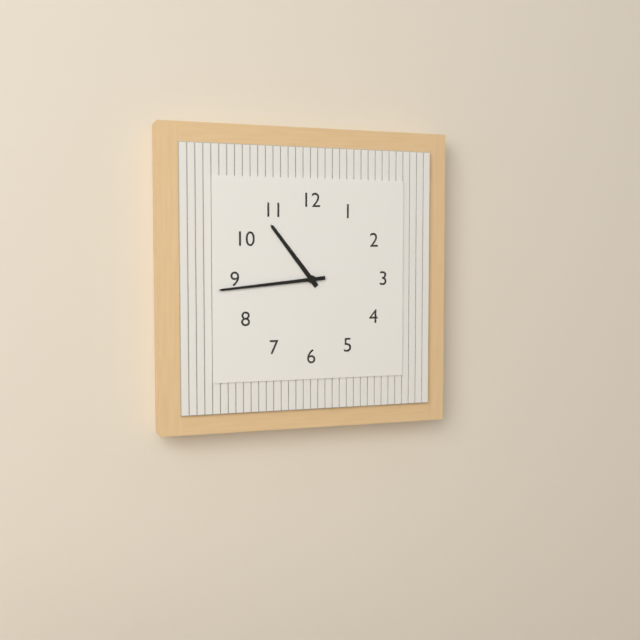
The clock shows **10:44**
